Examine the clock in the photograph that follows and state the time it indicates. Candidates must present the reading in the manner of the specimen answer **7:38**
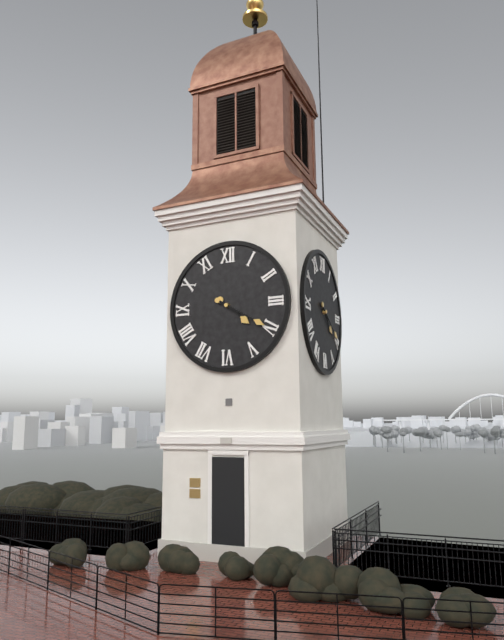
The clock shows **4:20**
